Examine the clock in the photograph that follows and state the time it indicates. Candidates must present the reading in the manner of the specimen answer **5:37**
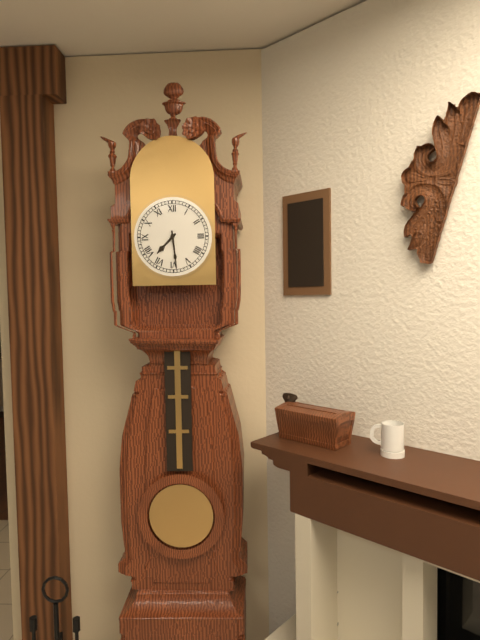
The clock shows **7:29**
